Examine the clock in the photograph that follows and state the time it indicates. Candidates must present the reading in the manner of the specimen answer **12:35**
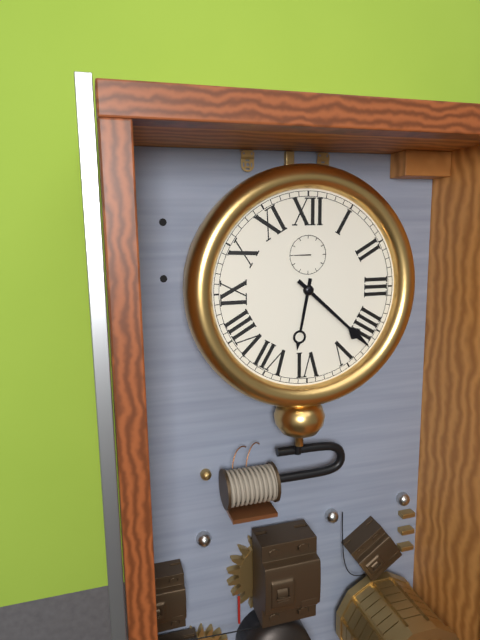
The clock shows **6:22**
